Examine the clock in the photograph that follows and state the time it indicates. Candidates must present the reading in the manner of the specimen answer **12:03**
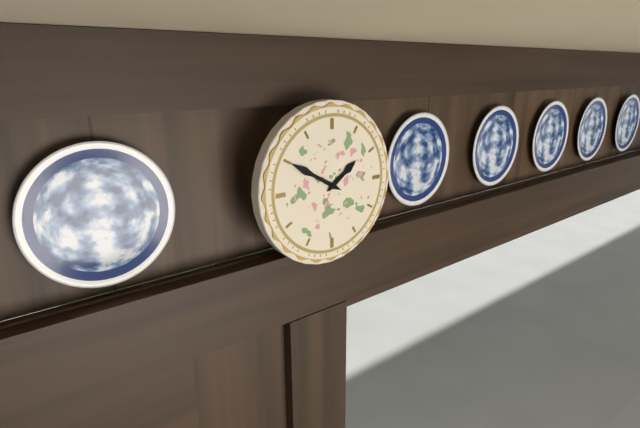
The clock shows **1:50**
